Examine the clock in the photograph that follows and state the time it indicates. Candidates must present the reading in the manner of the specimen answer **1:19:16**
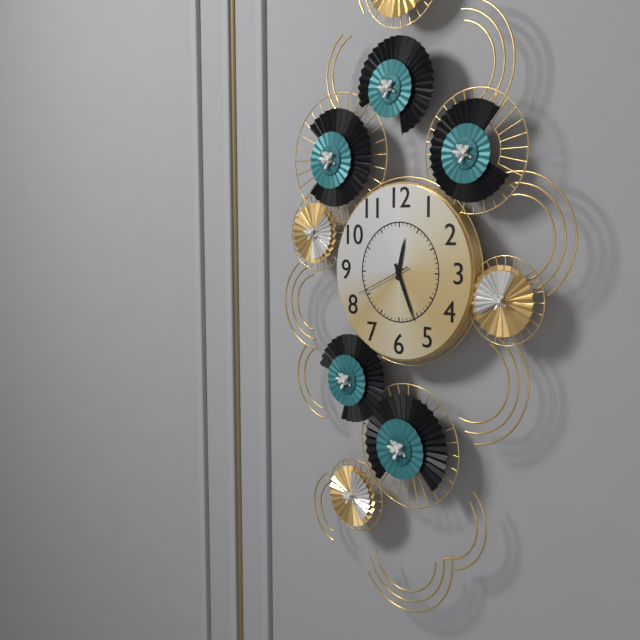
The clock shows **12:26:41**
